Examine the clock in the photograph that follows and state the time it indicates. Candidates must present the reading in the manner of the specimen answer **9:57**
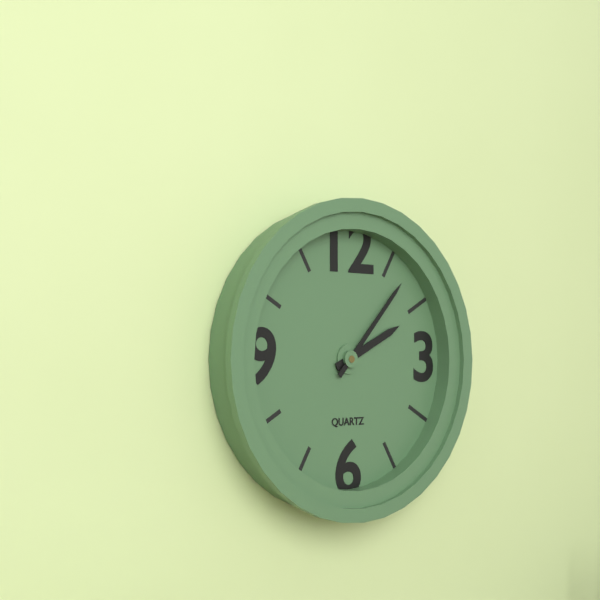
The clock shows **2:07**
